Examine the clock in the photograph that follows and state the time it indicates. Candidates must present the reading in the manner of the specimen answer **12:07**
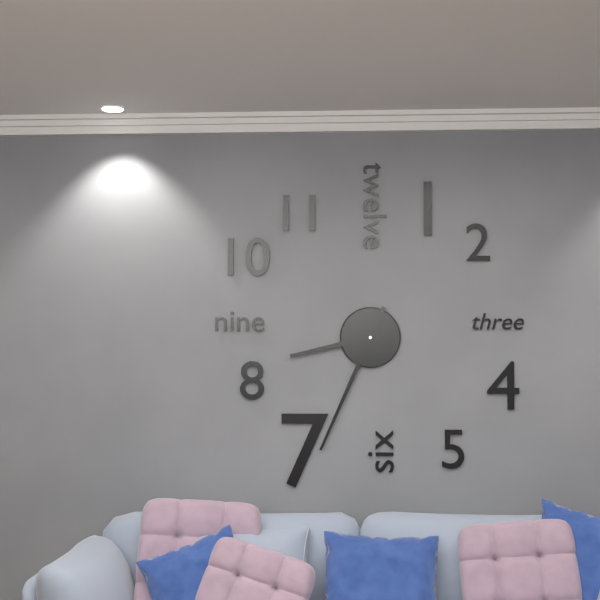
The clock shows **8:34**
